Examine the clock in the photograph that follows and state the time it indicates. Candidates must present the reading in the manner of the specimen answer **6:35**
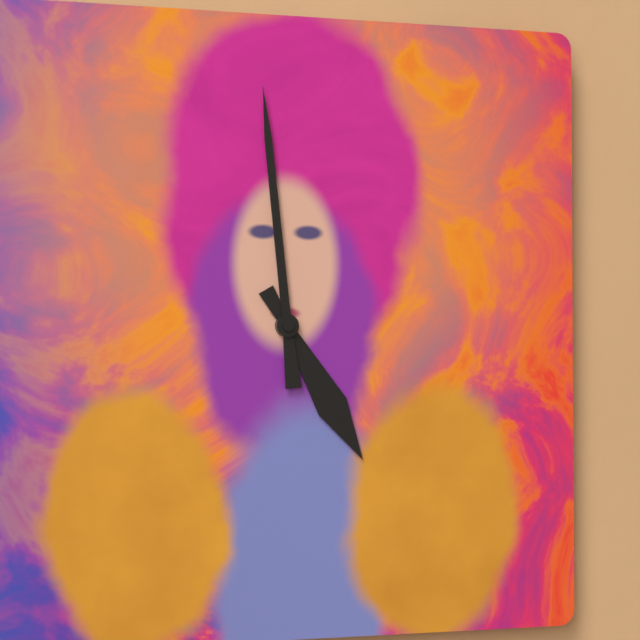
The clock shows **4:59**
